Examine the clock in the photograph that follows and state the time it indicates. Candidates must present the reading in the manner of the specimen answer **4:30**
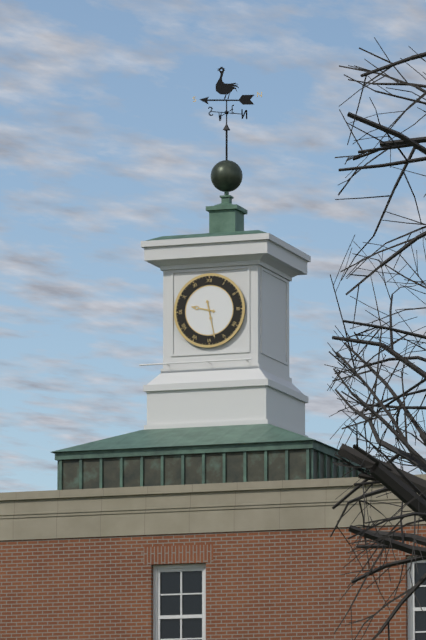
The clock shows **9:28**
